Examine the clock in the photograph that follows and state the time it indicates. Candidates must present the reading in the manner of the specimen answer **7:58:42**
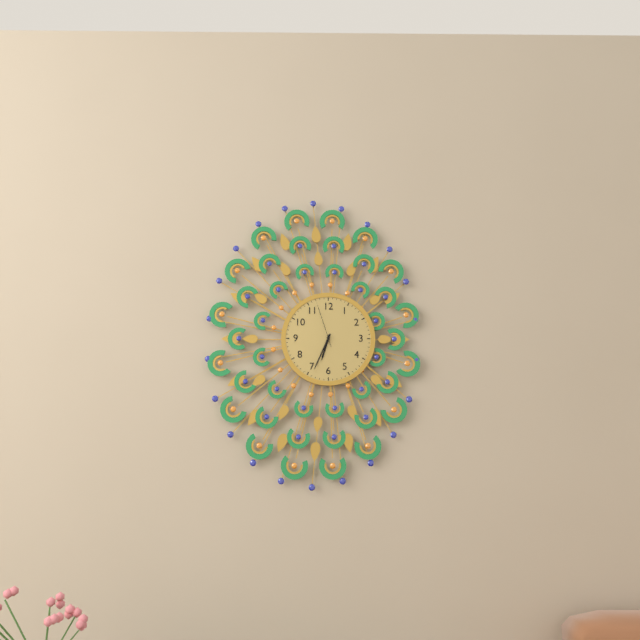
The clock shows **6:34:57**
